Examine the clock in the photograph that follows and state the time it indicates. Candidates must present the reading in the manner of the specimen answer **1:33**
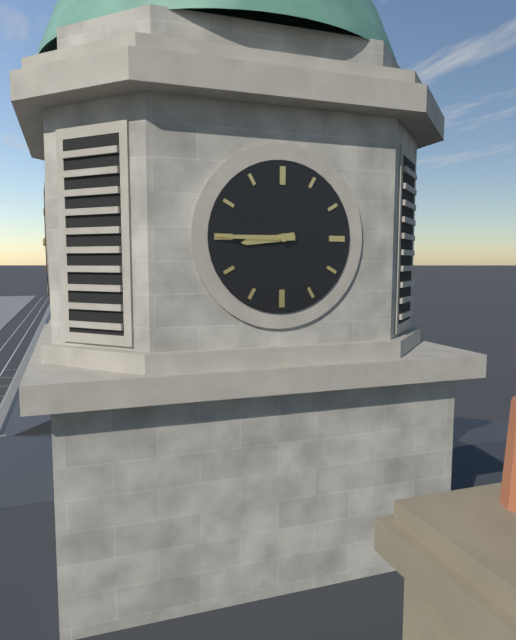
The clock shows **8:45**
